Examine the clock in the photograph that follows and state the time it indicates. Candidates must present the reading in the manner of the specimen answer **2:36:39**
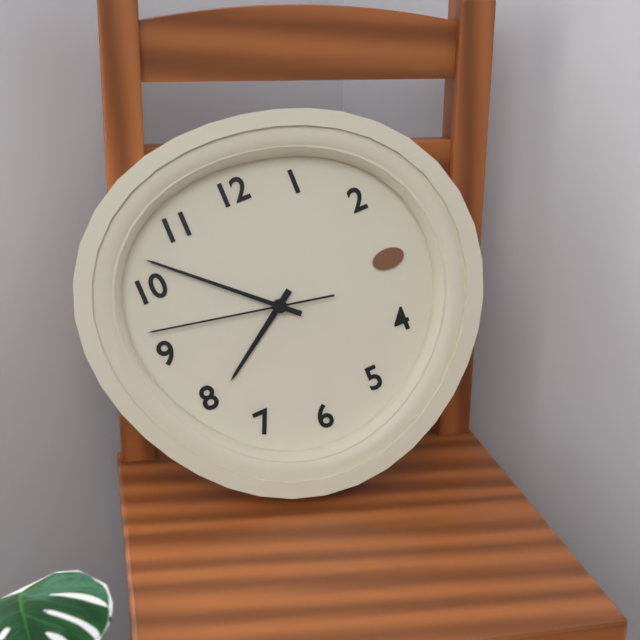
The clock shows **7:52:47**
